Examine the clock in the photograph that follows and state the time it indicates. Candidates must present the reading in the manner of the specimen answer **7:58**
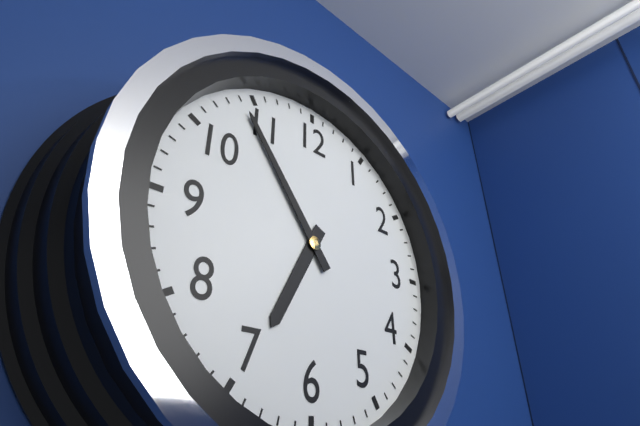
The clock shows **6:54**
